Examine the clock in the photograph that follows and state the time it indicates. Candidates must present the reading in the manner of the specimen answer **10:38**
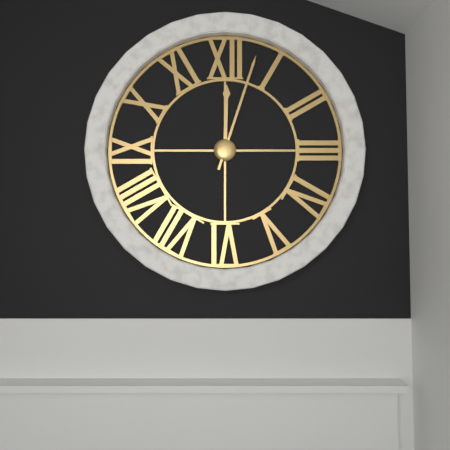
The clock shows **12:03**
